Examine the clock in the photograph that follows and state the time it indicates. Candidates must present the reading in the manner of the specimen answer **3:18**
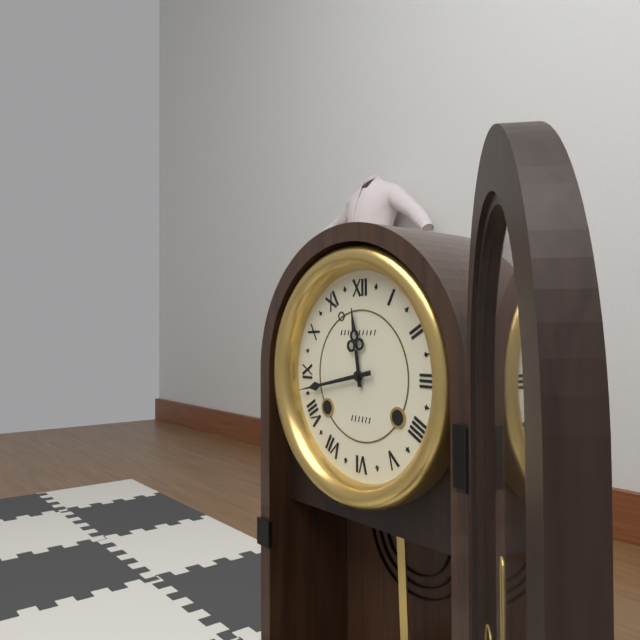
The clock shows **11:43**
